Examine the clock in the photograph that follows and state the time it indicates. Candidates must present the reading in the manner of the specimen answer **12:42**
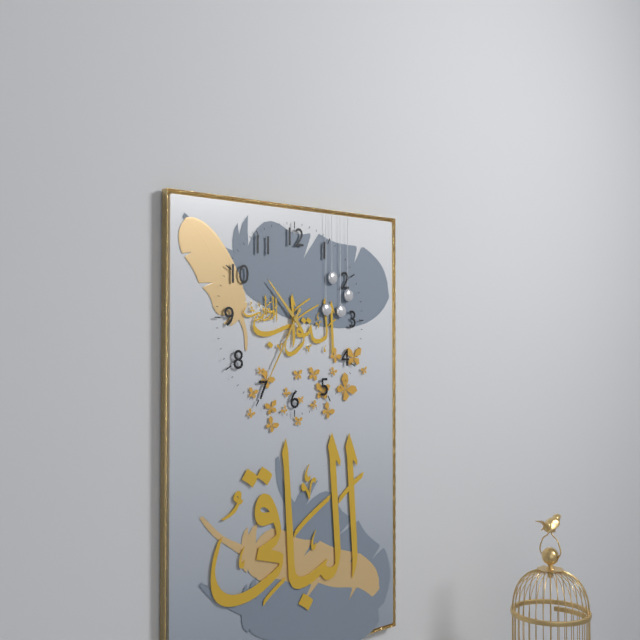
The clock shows **10:35**
